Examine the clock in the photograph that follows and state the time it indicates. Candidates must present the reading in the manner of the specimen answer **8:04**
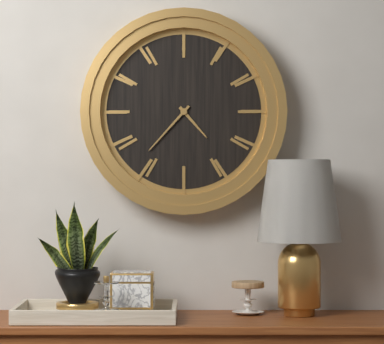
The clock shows **4:37**
